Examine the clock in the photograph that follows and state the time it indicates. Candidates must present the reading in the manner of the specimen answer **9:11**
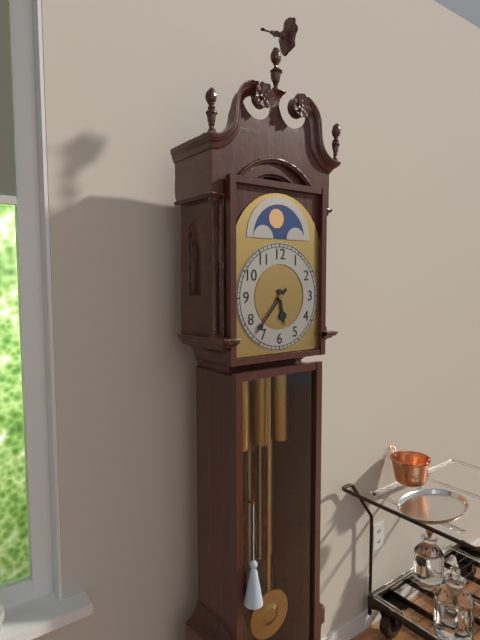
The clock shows **5:37**
